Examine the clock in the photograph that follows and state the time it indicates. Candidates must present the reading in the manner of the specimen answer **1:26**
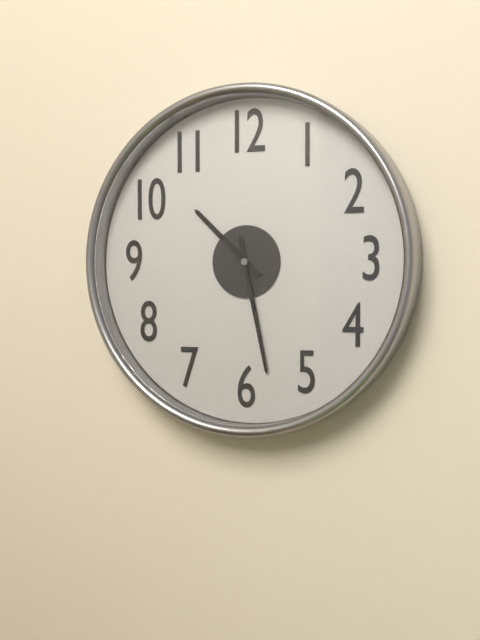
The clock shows **10:28**
